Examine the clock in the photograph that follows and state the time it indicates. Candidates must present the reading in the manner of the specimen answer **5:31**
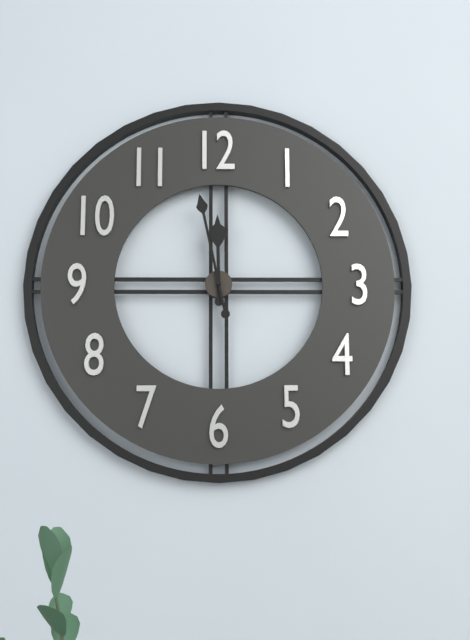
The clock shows **11:58**
